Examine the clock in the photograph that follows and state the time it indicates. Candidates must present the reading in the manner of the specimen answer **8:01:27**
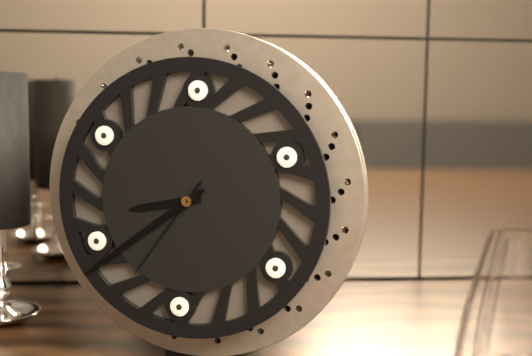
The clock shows **8:39:36**
